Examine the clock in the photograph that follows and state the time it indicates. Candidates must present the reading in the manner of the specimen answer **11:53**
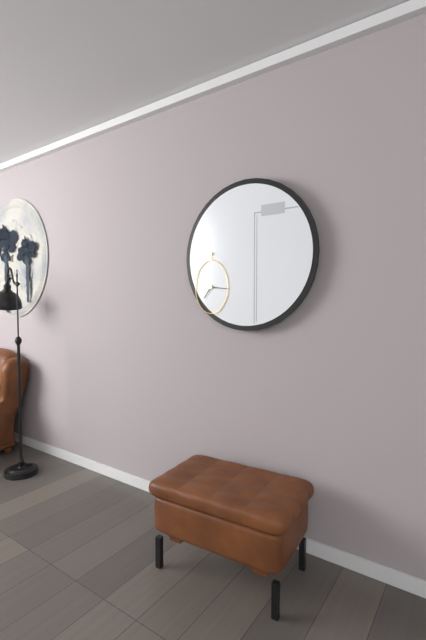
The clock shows **7:16**
